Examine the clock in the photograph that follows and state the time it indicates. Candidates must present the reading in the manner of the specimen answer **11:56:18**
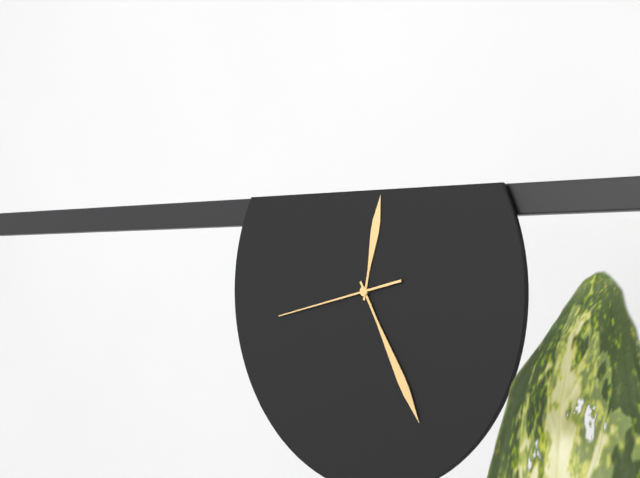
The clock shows **12:25:43**
